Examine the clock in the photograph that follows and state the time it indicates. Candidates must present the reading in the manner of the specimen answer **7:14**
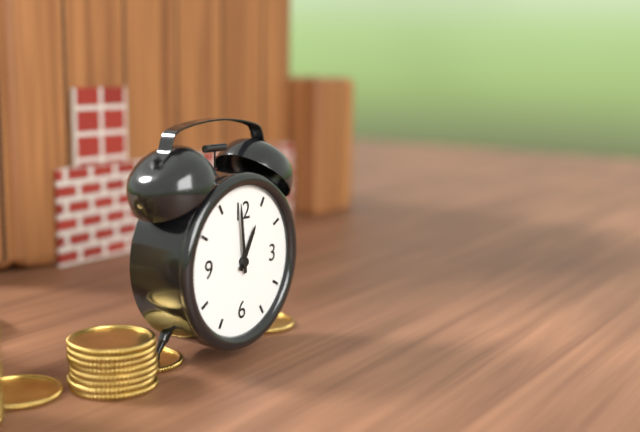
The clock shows **12:59**
